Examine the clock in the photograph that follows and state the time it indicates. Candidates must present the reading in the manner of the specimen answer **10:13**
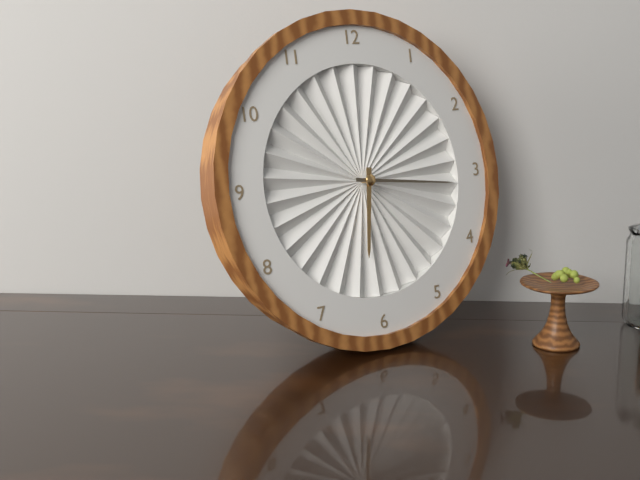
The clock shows **6:16**
